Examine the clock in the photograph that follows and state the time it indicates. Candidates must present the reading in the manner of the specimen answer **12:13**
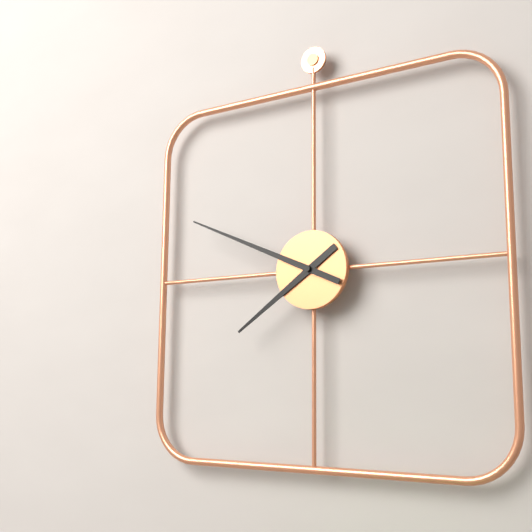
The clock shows **7:49**
